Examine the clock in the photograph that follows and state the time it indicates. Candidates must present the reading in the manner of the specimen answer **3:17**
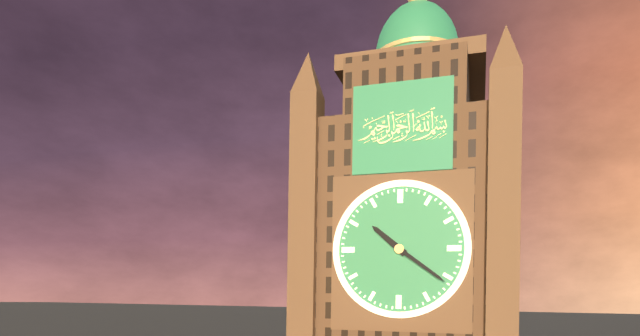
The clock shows **10:21**
